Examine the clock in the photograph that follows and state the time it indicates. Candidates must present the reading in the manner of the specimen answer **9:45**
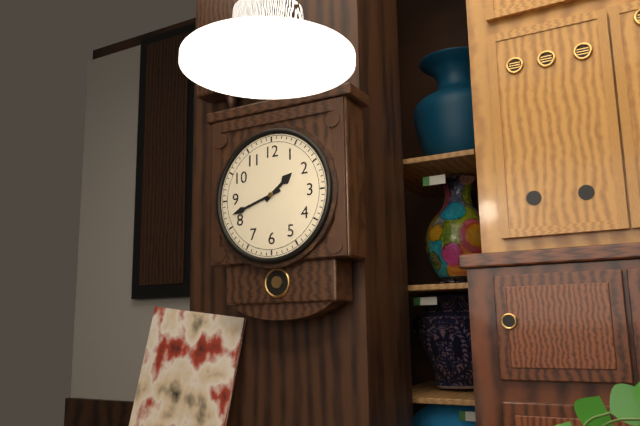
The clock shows **1:42**
